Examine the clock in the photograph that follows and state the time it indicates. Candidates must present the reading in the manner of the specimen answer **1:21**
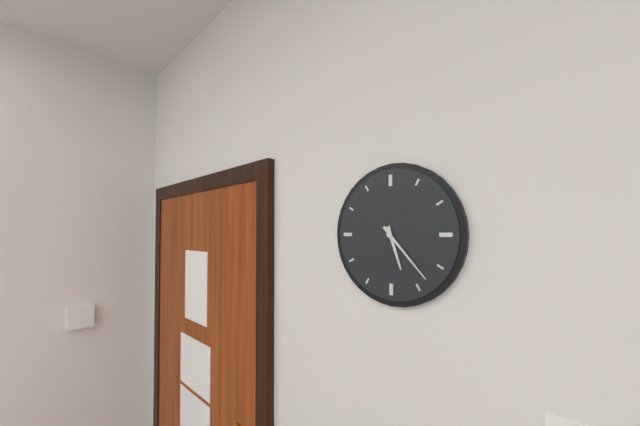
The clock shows **5:23**
